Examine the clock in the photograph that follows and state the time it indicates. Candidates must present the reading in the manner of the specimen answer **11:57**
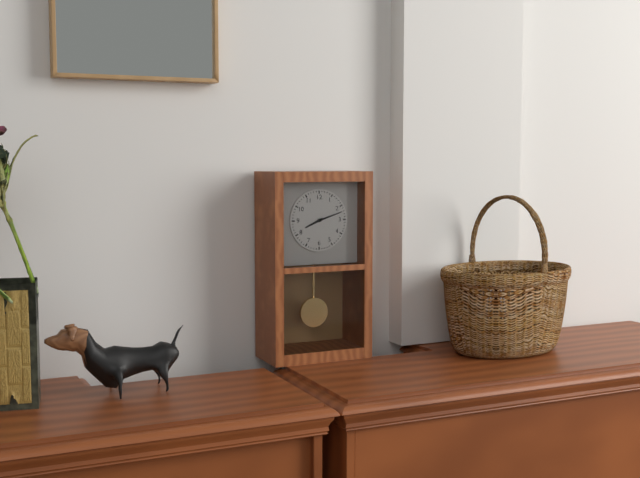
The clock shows **8:12**
